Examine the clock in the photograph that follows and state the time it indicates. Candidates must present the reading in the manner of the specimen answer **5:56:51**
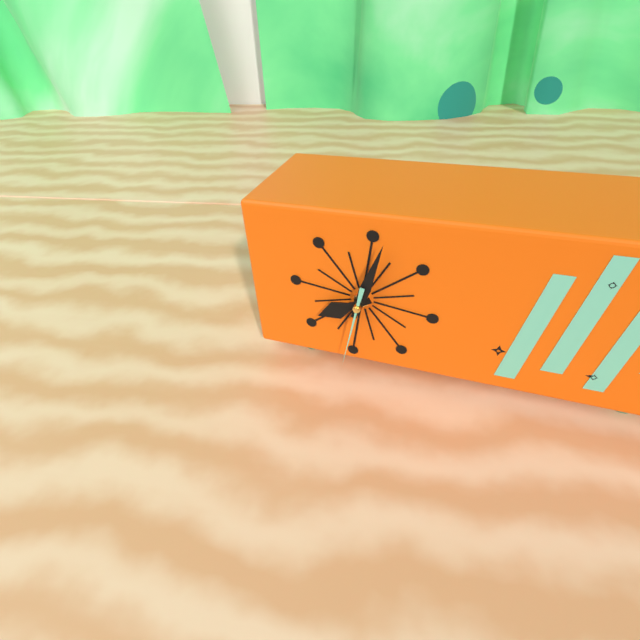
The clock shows **8:03:32**
